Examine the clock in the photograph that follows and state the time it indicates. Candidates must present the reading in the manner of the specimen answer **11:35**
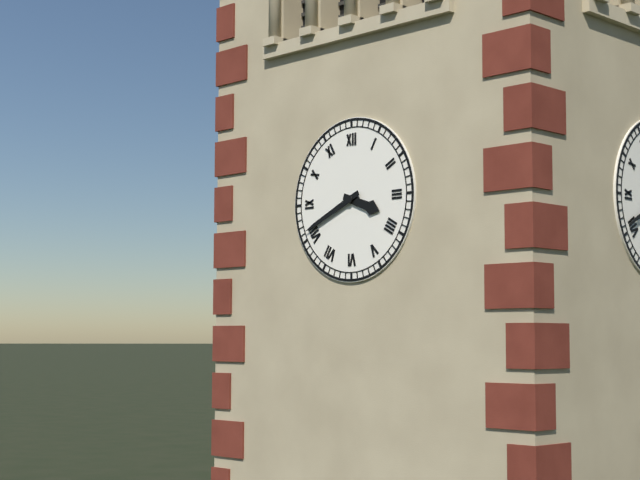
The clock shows **3:41**
